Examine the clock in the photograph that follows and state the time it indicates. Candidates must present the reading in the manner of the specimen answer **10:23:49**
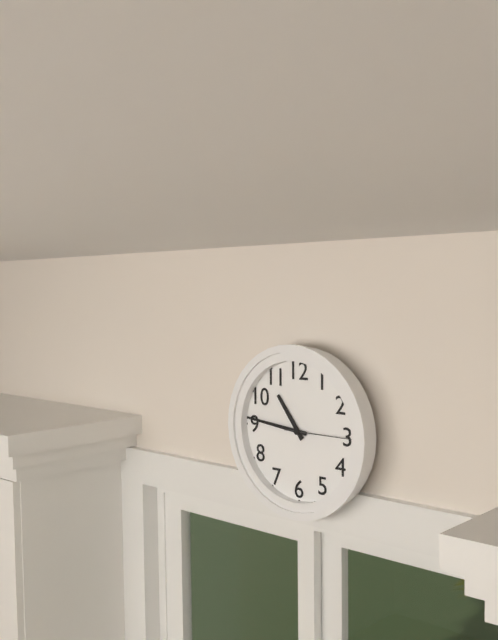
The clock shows **10:46:15**
